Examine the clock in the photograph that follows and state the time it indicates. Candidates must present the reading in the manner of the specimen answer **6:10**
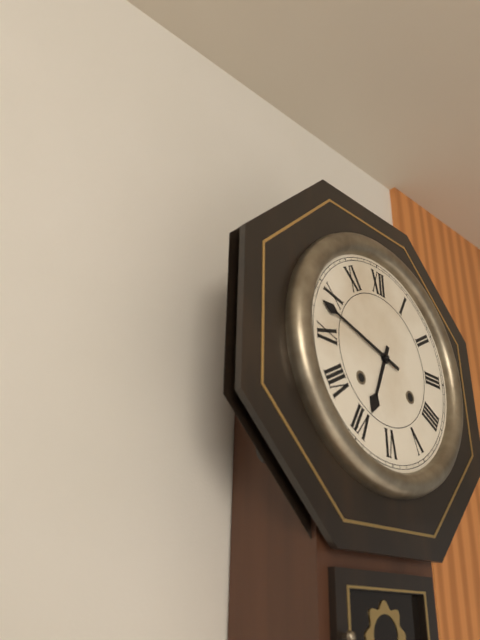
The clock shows **6:48**
